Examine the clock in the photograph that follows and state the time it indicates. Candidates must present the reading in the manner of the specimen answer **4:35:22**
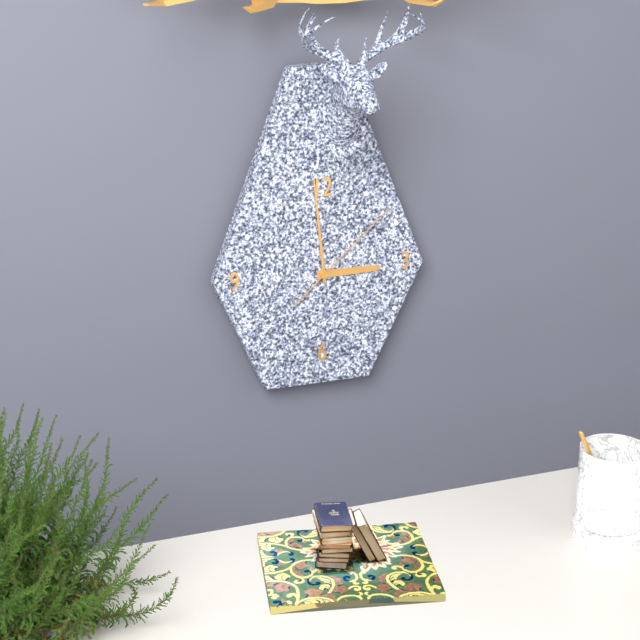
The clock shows **2:59:08**
